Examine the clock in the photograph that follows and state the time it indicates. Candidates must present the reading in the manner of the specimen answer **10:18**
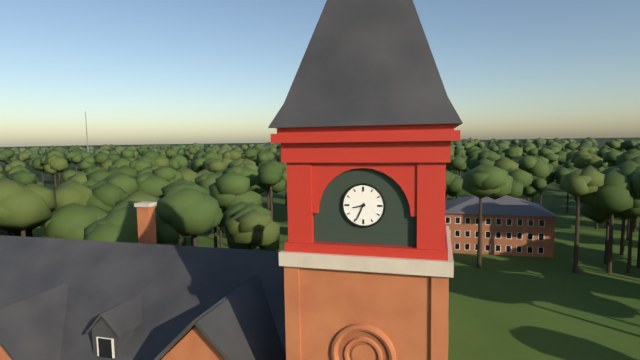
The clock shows **8:34**
